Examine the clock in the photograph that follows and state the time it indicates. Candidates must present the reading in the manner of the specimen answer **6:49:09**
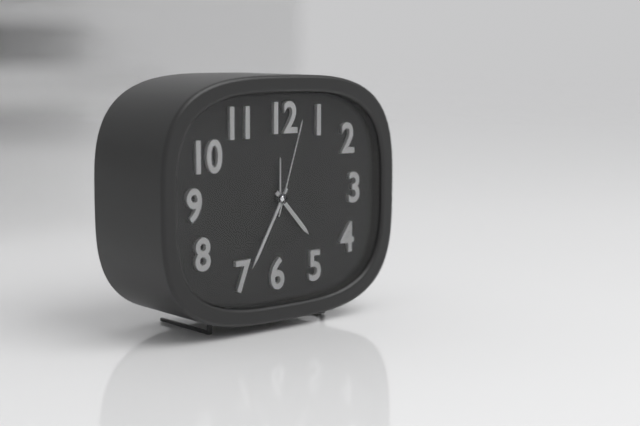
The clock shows **4:35:03**
